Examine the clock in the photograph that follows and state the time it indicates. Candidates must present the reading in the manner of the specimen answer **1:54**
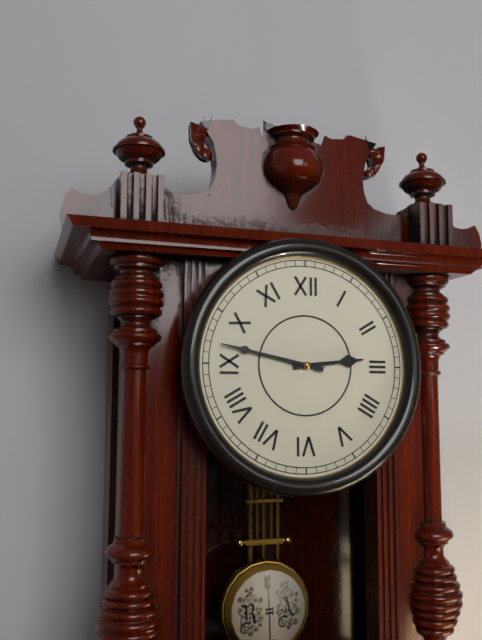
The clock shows **2:47**
